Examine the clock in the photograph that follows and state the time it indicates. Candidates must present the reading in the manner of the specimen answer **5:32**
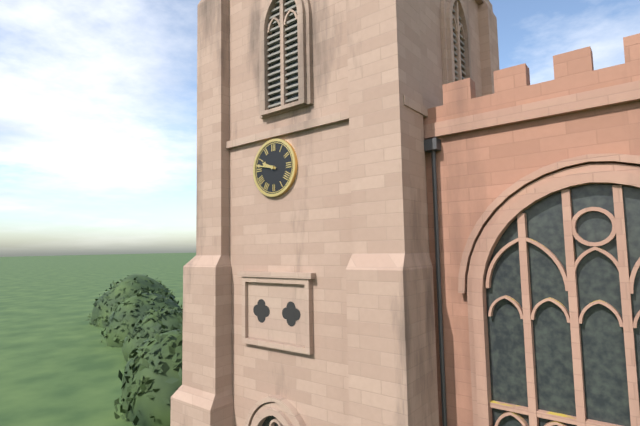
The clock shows **9:47**
